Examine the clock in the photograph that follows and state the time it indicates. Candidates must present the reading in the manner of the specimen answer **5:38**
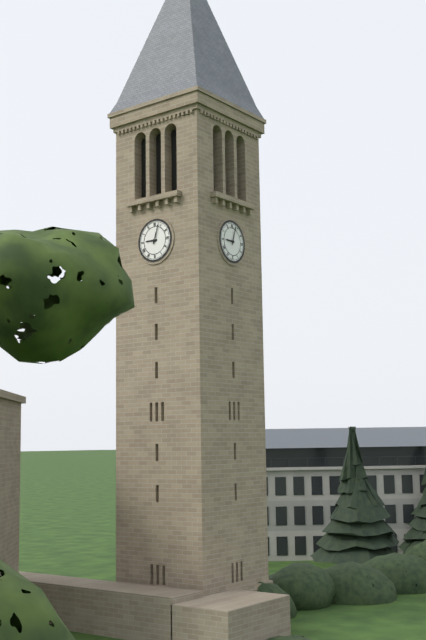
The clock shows **9:03**
